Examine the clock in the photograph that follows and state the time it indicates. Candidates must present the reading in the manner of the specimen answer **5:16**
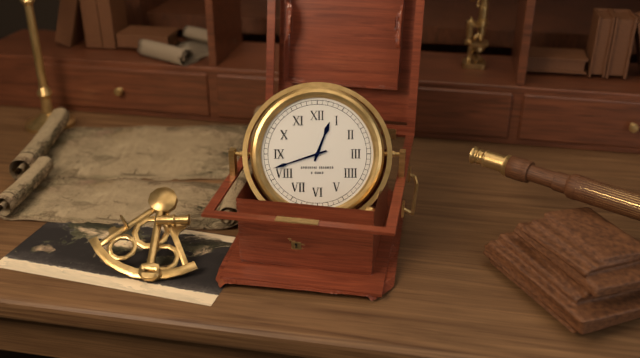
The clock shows **12:42**
